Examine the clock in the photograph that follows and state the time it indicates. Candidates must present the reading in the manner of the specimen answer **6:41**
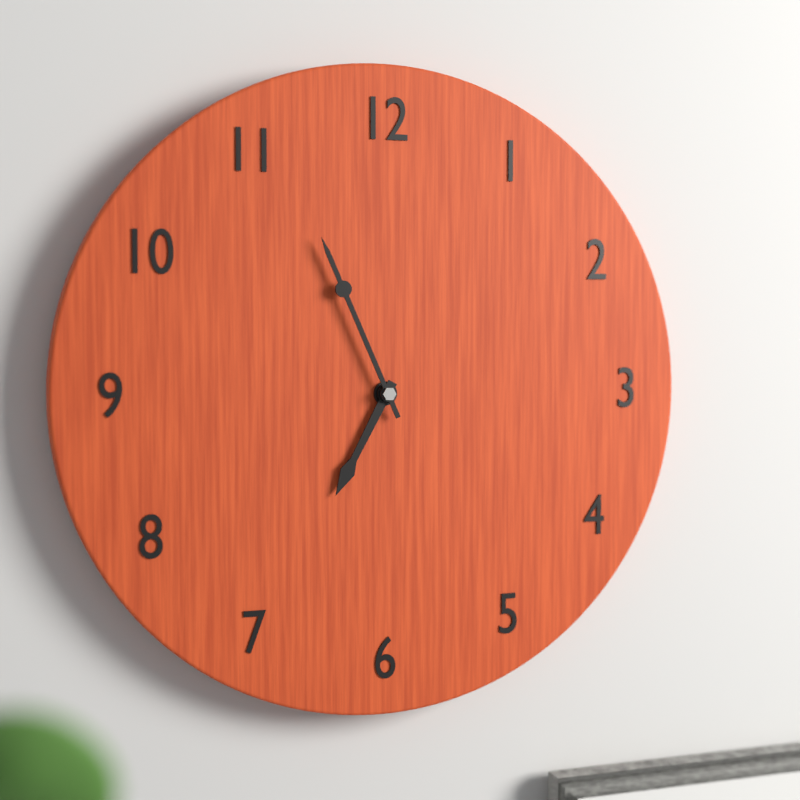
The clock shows **6:56**
